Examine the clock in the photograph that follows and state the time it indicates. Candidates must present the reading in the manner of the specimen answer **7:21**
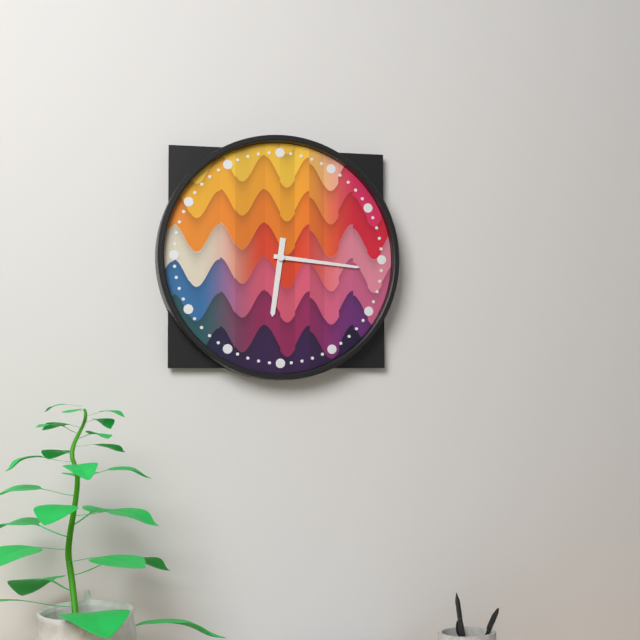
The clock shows **6:16**
